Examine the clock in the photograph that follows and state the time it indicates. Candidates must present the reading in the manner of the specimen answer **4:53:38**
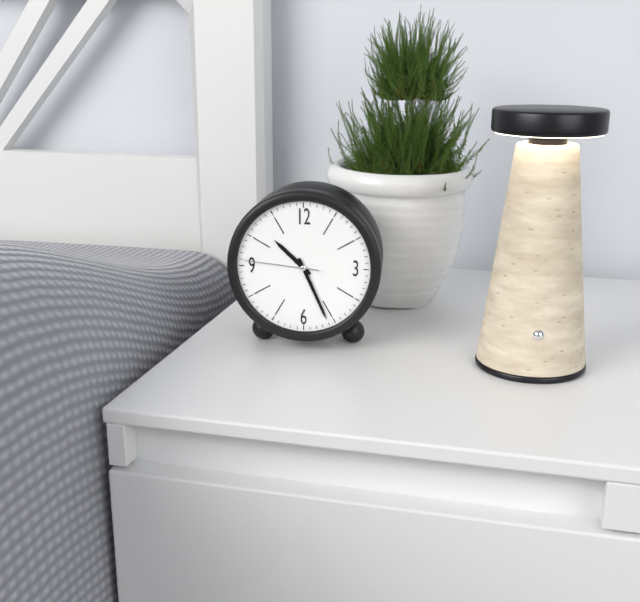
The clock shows **10:26:46**
